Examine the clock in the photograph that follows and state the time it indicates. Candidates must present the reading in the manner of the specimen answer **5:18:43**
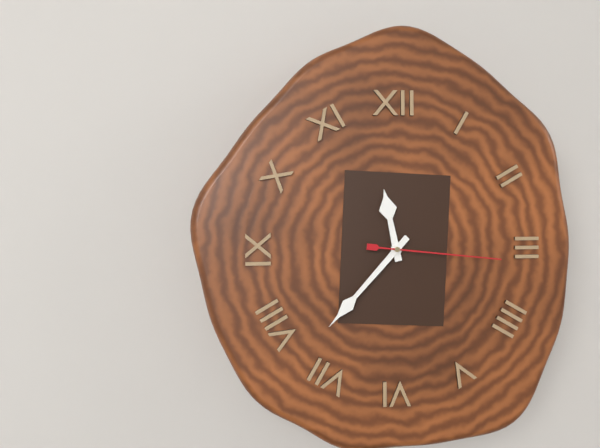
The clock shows **11:37:16**
